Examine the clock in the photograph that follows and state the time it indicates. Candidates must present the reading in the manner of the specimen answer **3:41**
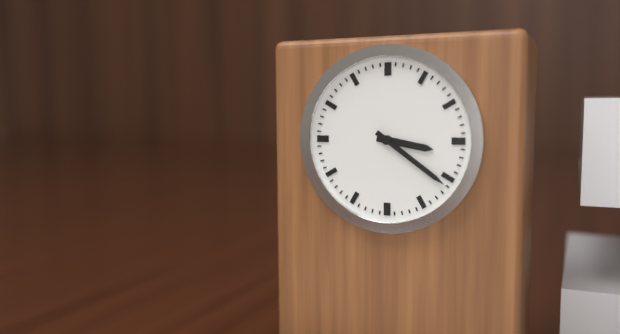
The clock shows **3:21**
